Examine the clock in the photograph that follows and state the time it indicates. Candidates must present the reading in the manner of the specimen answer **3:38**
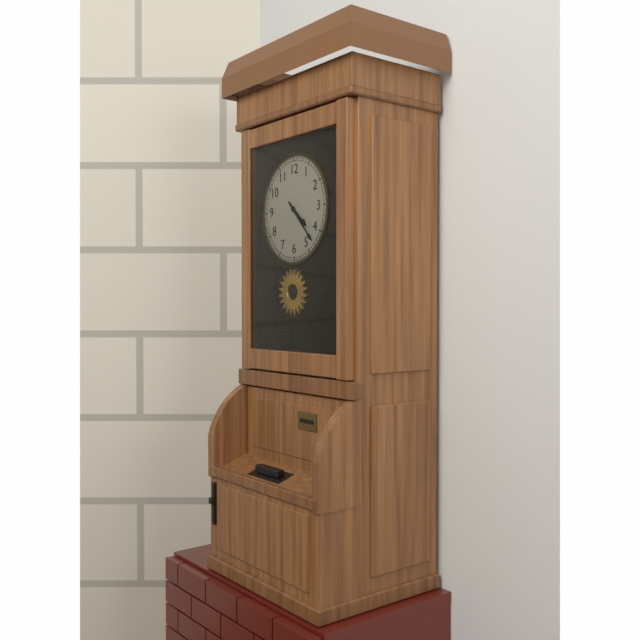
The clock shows **4:23**
